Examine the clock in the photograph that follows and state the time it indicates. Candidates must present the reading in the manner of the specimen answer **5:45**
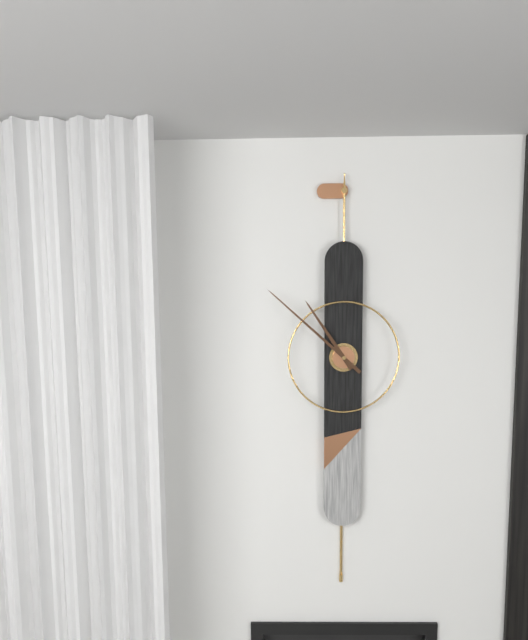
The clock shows **10:52**
